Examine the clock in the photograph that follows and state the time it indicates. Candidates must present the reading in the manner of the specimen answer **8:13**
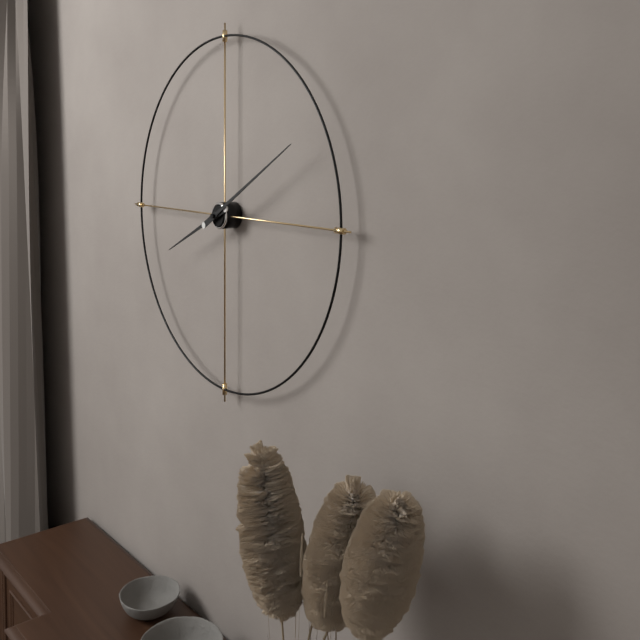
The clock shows **8:10**
